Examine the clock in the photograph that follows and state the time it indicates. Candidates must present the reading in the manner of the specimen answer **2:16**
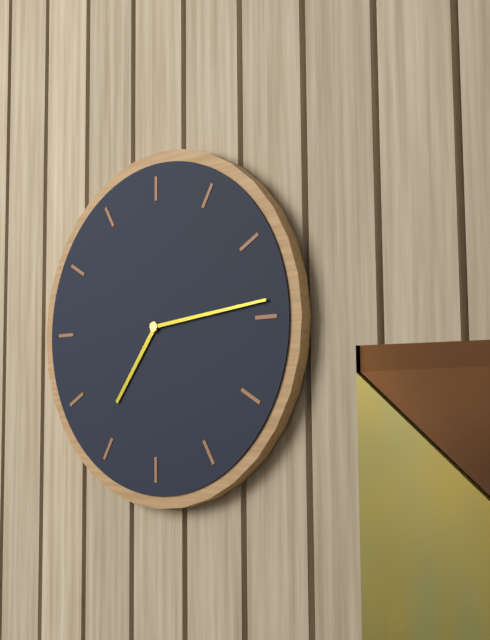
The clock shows **7:14**
